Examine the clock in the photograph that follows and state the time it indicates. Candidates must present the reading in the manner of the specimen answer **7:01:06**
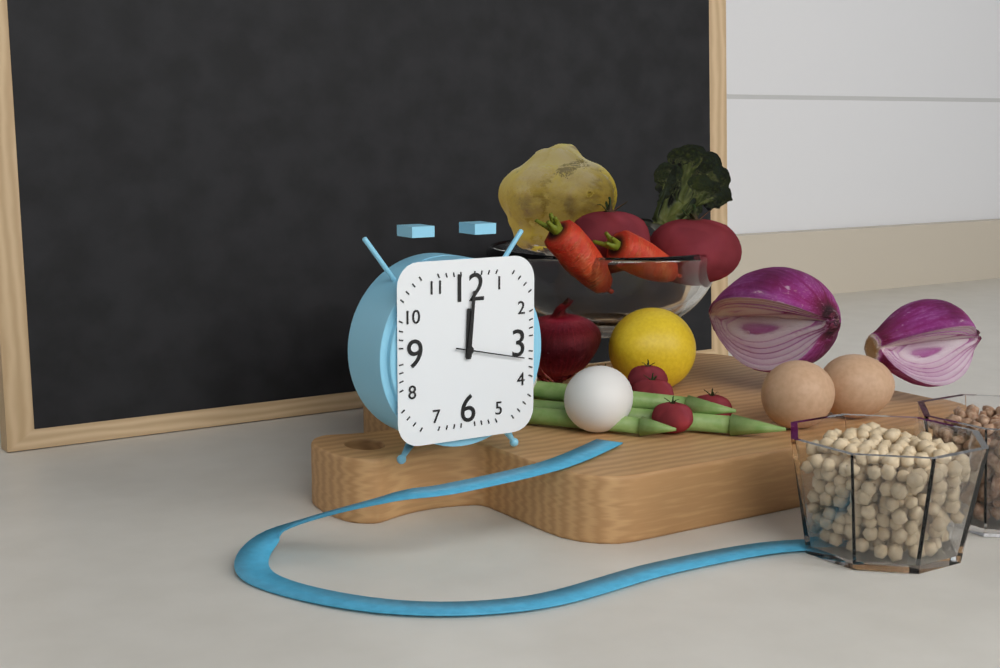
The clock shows **12:01:17**
